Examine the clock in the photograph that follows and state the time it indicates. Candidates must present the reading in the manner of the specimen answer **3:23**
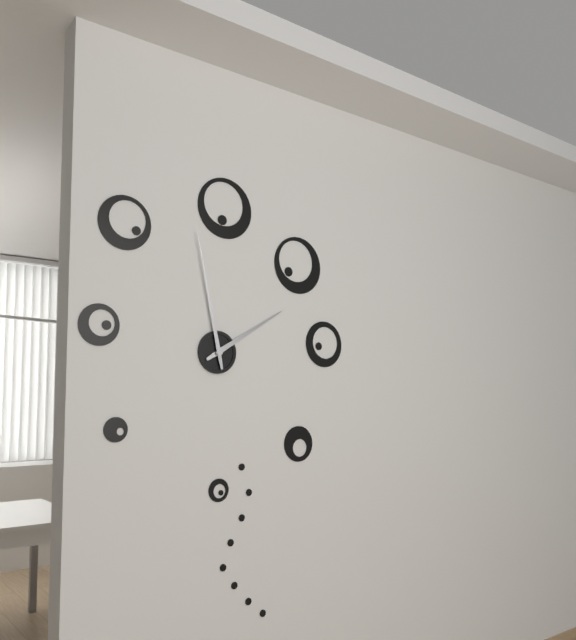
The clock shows **1:58**
